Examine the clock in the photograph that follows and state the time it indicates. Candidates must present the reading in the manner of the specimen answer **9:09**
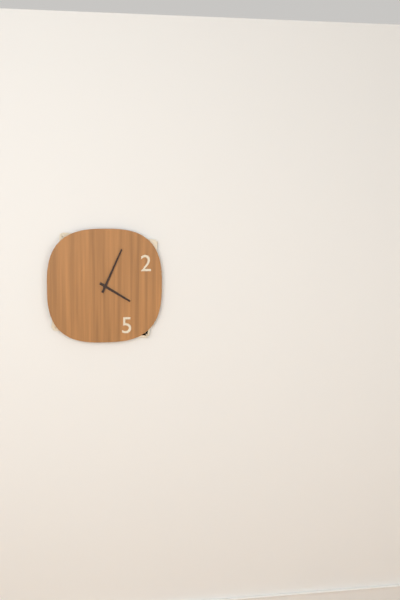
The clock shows **4:04**
